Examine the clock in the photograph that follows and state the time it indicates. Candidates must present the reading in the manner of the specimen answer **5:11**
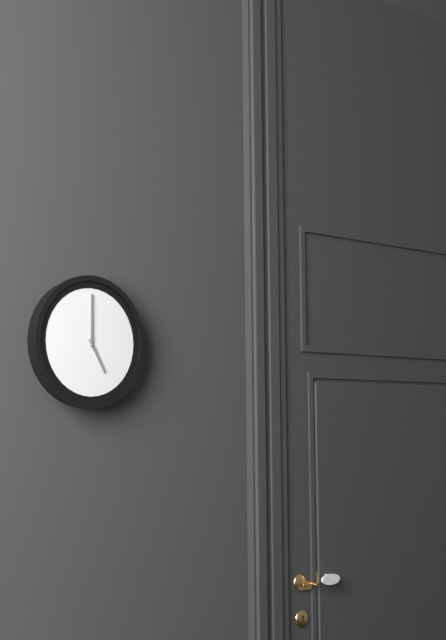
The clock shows **5:00**
